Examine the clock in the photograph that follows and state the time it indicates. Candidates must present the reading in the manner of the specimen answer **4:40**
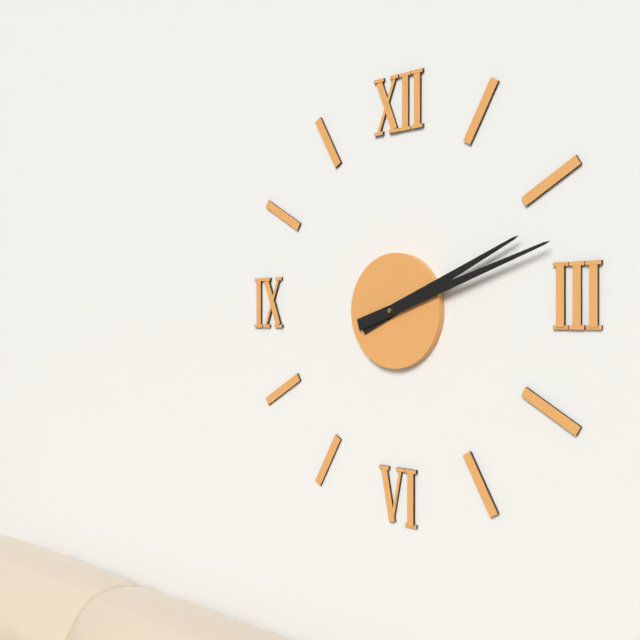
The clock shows **2:12**
